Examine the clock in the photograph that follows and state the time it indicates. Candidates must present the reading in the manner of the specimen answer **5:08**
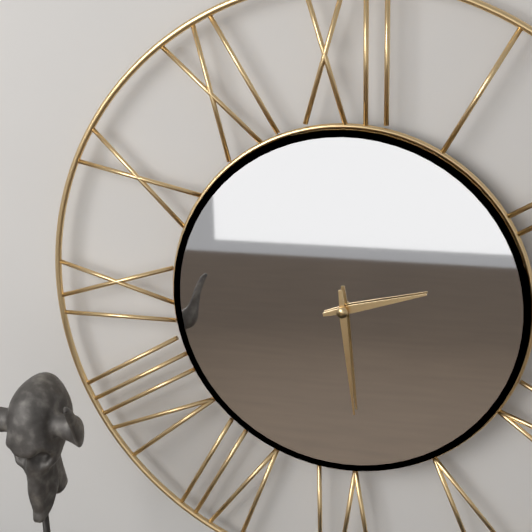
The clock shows **2:29**
